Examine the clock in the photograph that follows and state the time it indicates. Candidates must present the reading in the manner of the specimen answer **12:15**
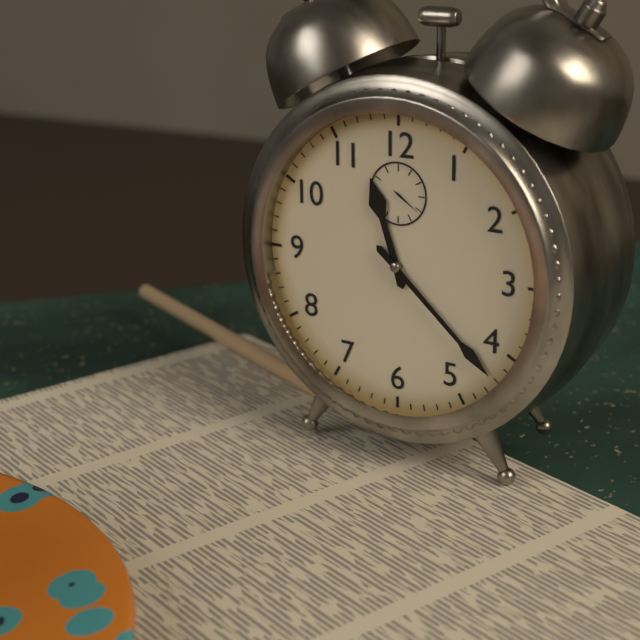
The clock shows **11:22**
